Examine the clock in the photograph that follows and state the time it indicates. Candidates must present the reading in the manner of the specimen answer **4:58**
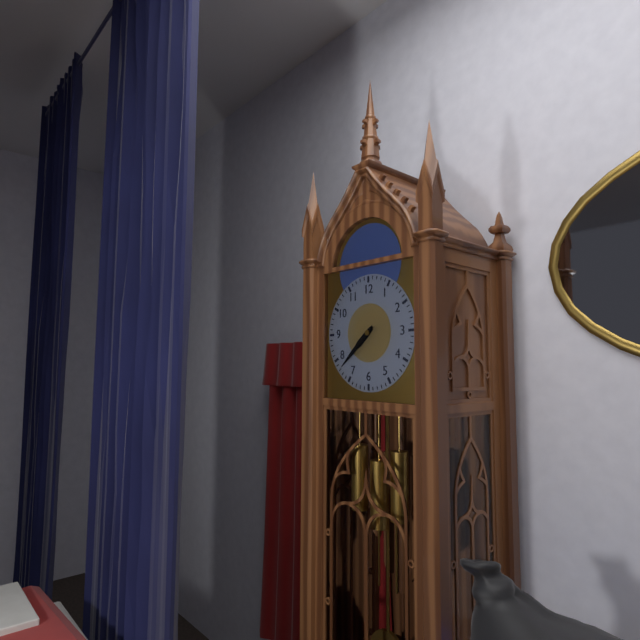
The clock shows **7:38**
